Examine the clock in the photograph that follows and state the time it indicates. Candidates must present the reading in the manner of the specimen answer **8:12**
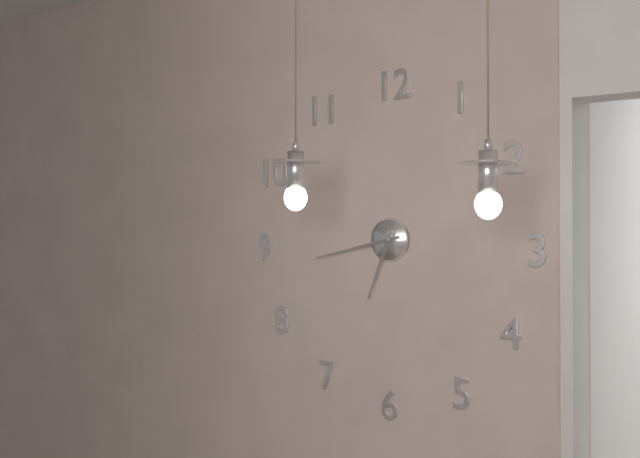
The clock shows **6:43**
